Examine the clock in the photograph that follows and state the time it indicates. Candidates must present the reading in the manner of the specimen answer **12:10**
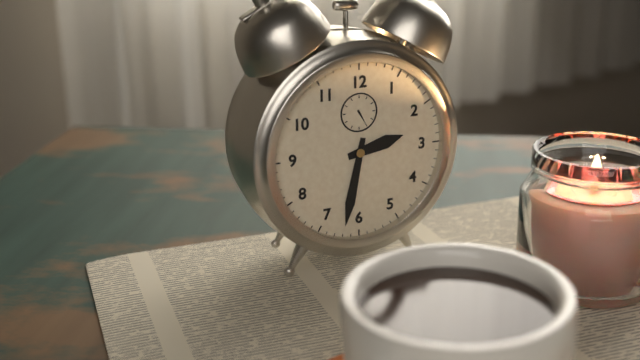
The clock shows **2:32**
